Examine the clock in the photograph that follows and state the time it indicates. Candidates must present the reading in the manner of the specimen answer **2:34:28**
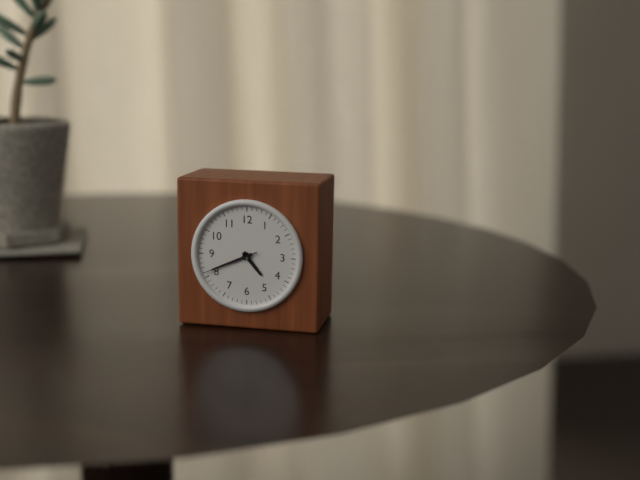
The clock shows **4:41:41**
